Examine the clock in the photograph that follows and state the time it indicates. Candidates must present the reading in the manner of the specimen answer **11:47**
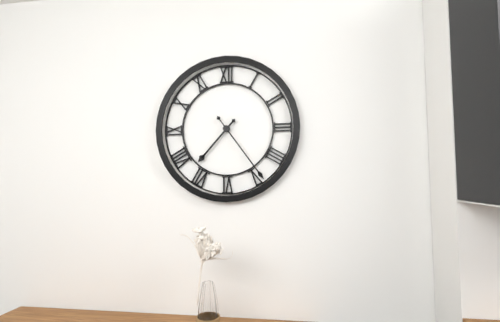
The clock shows **7:24**
